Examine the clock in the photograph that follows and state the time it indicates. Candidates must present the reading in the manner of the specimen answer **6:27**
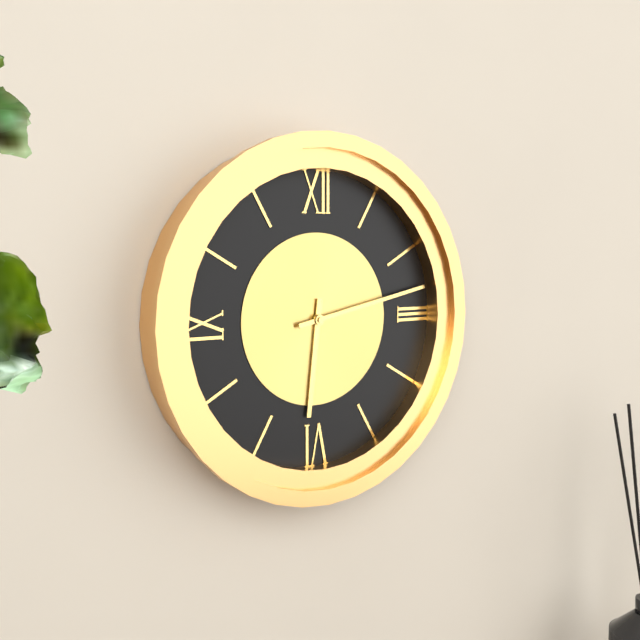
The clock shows **6:13**
